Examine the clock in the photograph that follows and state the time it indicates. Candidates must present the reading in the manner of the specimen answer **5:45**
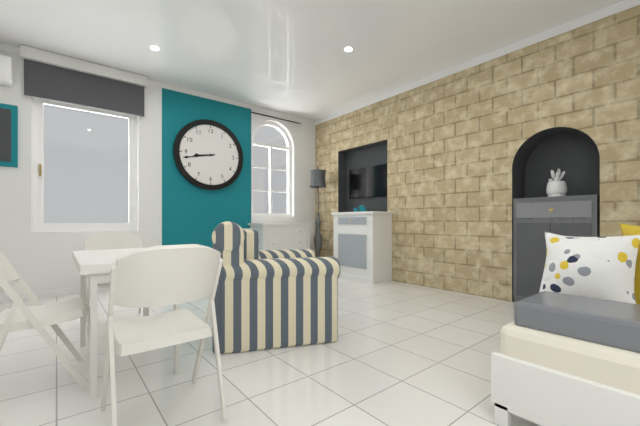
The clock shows **8:43**
